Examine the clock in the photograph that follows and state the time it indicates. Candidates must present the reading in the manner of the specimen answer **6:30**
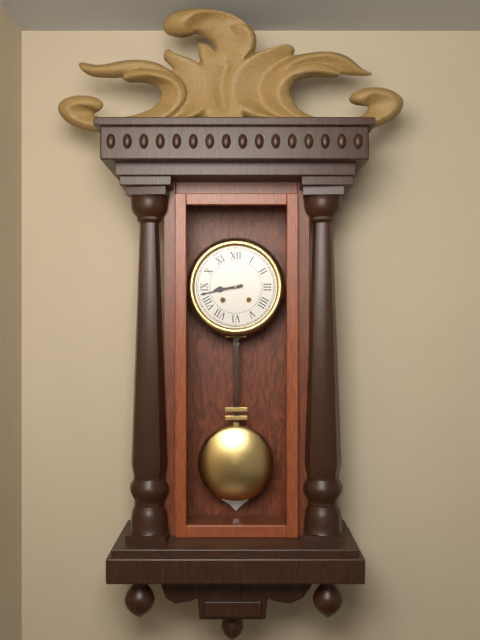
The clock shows **8:43**
